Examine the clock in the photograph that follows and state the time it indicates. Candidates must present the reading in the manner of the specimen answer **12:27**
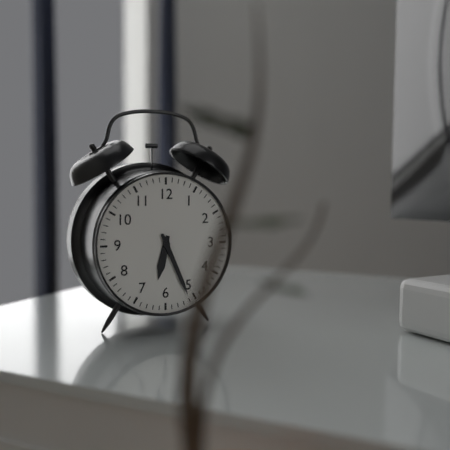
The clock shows **6:26**
